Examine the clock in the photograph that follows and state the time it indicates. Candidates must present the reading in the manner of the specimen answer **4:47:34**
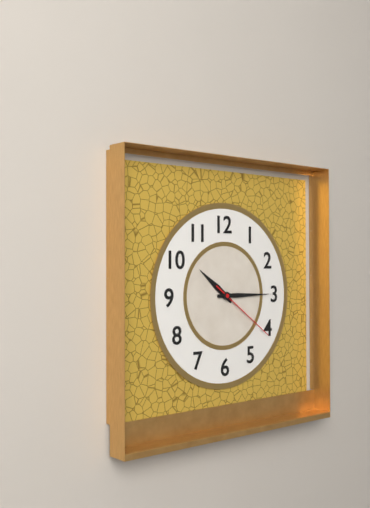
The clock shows **10:15:21**
